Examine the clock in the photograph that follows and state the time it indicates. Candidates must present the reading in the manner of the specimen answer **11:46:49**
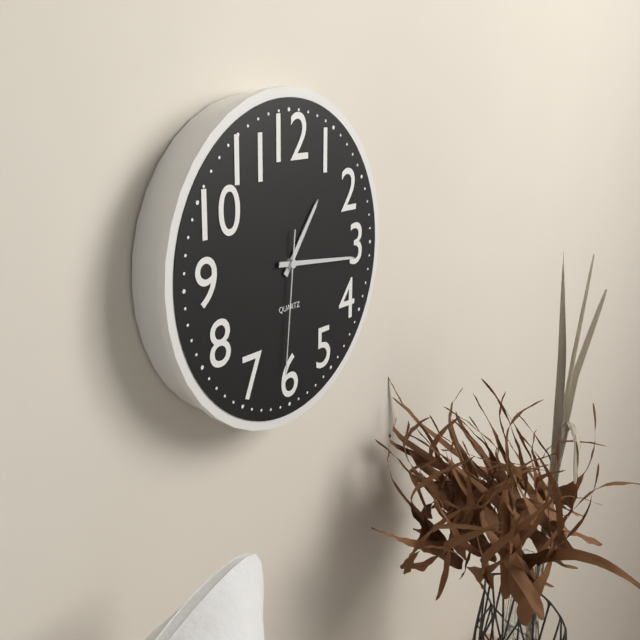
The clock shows **1:16:31**
